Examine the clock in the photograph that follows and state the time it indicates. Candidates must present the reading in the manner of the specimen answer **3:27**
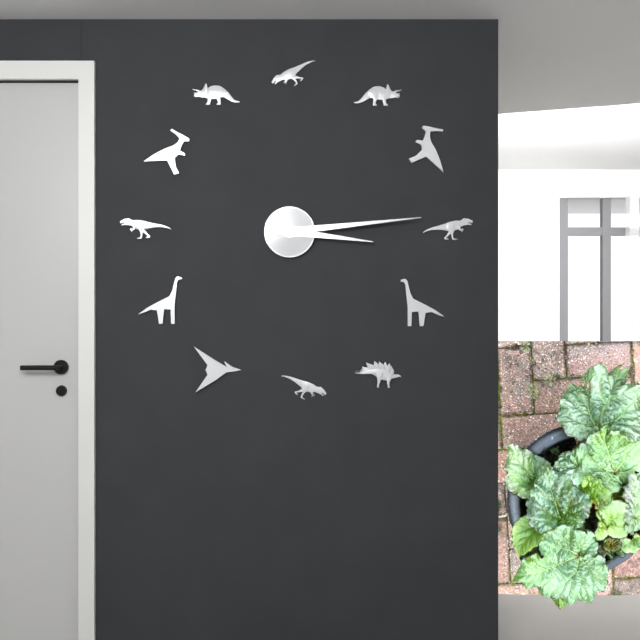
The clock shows **3:14**
